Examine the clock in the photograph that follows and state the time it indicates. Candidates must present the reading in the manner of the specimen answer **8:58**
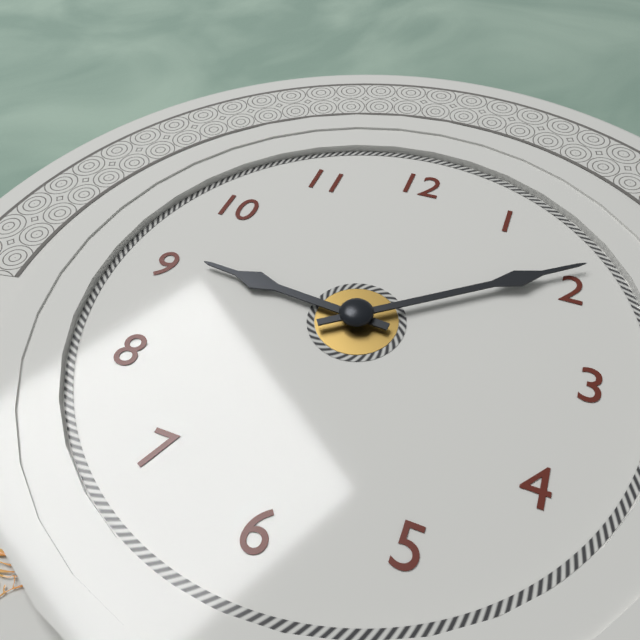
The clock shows **9:09**
